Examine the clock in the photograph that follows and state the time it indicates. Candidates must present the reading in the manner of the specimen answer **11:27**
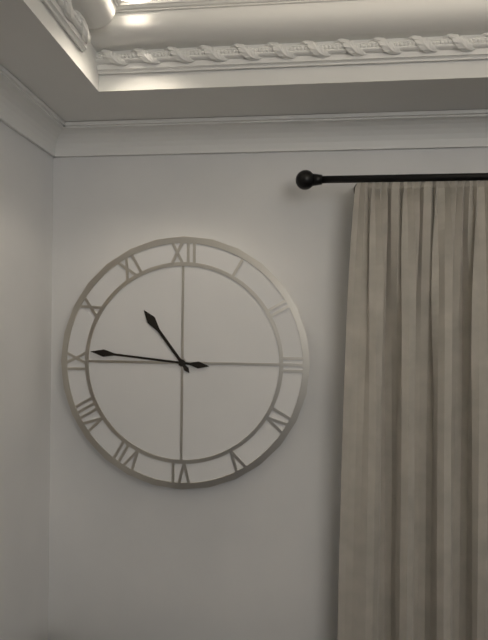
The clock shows **10:46**
